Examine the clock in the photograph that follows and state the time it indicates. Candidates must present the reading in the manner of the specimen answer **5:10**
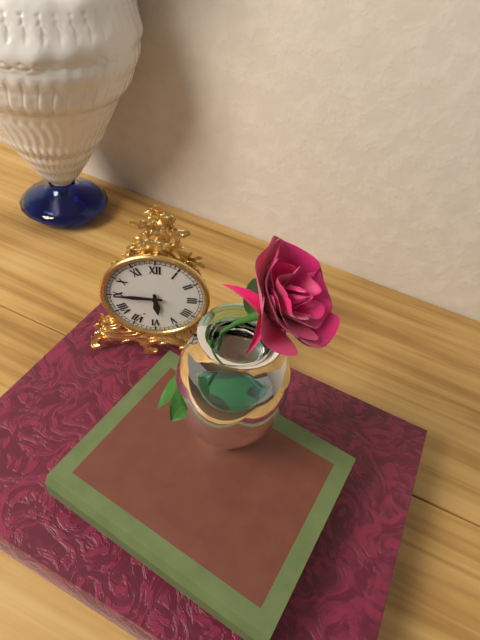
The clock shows **5:45**
